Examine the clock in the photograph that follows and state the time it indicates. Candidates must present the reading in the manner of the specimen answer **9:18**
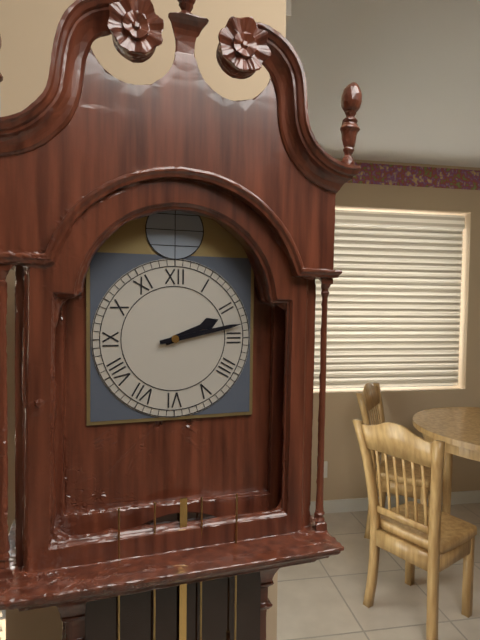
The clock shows **2:13**
